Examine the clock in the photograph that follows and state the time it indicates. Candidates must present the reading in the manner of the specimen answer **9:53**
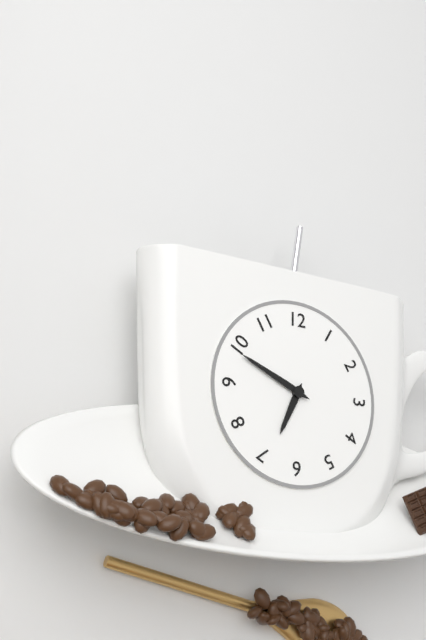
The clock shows **6:49**
